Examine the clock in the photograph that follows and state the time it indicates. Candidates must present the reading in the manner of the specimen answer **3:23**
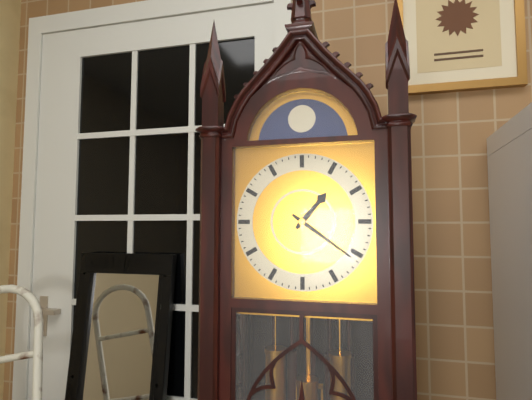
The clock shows **1:21**
